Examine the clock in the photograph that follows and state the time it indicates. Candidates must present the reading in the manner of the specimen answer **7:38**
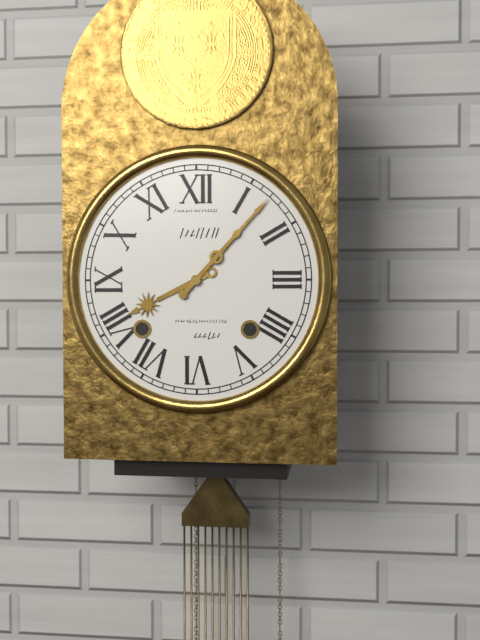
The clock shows **8:07**
